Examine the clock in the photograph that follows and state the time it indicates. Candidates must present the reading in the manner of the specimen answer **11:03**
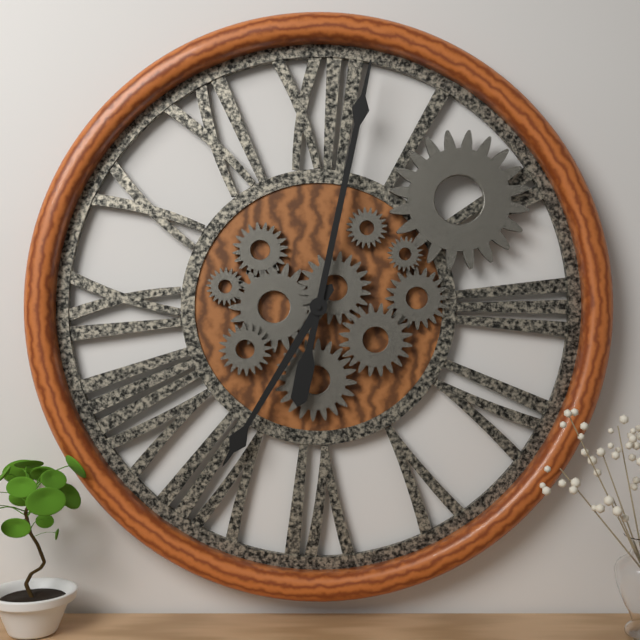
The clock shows **7:02**
